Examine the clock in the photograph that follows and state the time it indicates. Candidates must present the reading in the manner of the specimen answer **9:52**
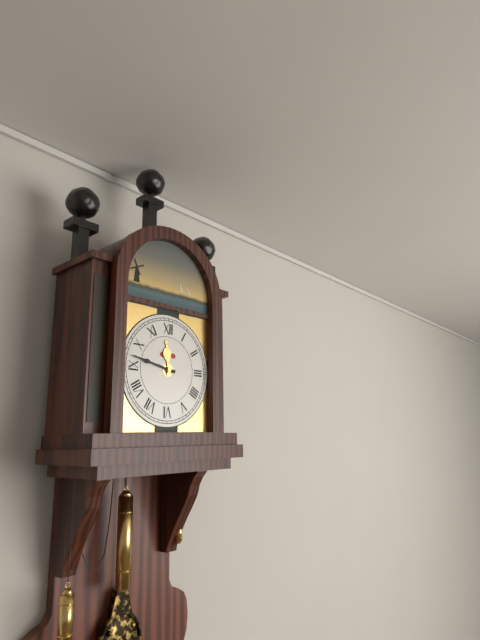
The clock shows **11:47**
